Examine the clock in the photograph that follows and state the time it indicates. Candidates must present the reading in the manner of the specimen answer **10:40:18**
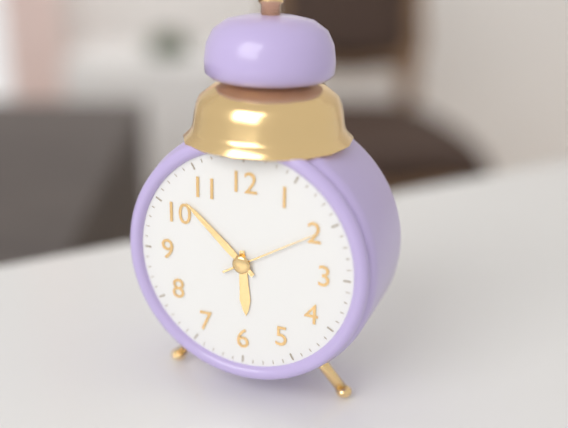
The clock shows **5:52:10**
